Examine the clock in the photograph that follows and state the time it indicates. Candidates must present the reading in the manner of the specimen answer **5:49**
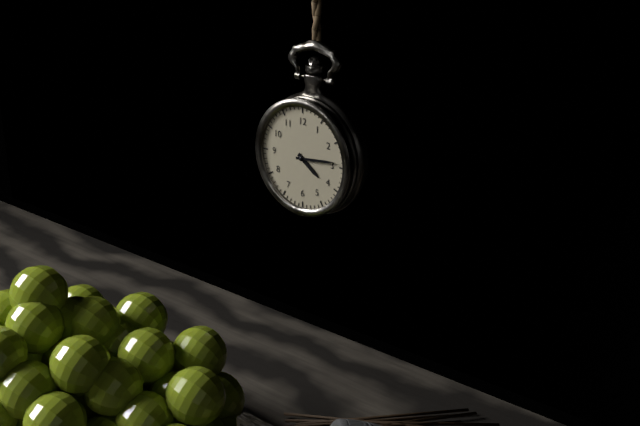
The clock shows **4:14**
